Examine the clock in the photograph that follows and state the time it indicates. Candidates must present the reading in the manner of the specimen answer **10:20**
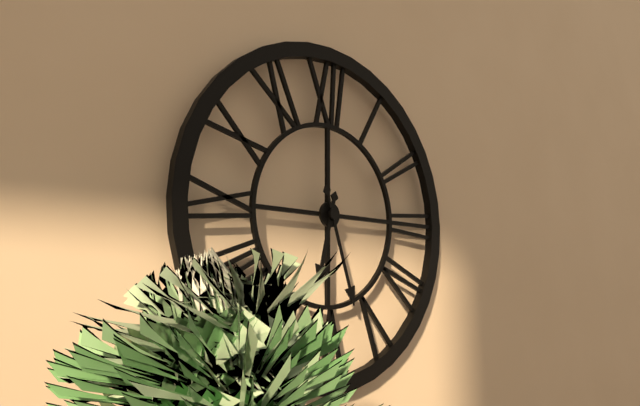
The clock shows **6:27**
